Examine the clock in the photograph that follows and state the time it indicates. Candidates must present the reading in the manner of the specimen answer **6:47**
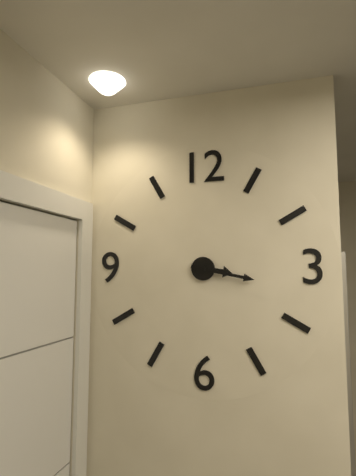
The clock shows **3:17**
